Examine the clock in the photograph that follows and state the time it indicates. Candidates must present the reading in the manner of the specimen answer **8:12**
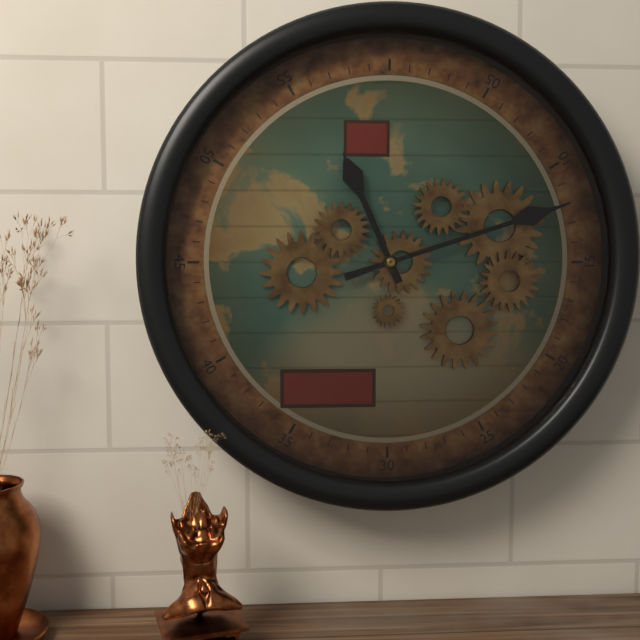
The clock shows **11:12**
